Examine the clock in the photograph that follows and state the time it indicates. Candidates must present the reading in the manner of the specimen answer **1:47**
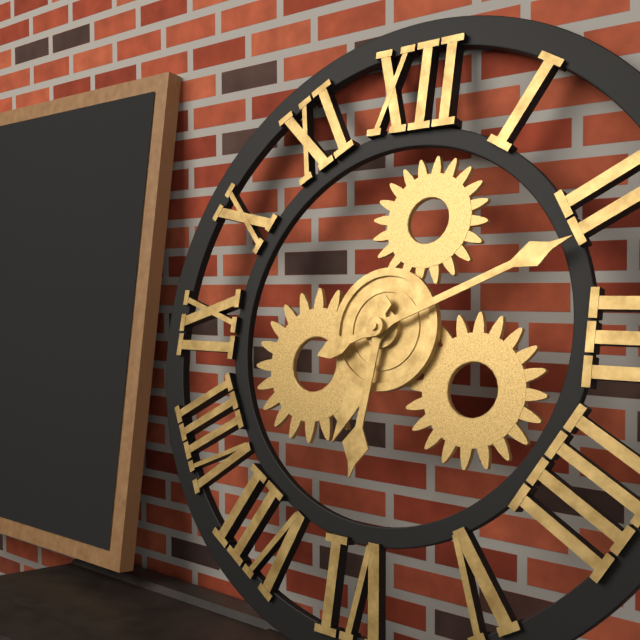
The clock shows **6:11**
